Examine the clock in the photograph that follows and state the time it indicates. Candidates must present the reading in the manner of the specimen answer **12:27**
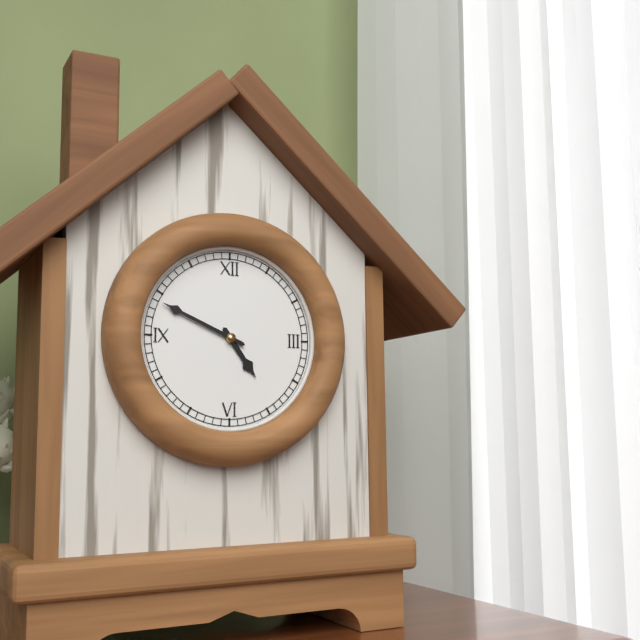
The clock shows **4:49**
